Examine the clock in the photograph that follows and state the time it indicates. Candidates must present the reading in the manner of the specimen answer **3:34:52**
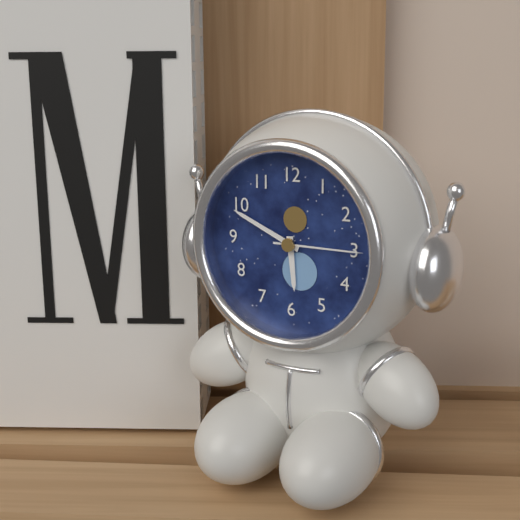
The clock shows **5:49:15**
